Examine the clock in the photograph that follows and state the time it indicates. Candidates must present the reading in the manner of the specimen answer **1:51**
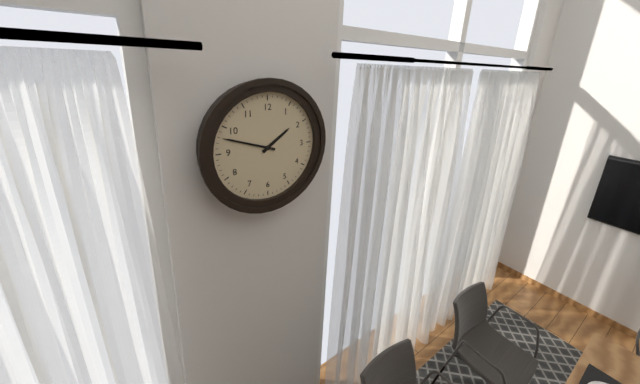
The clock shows **1:48**
